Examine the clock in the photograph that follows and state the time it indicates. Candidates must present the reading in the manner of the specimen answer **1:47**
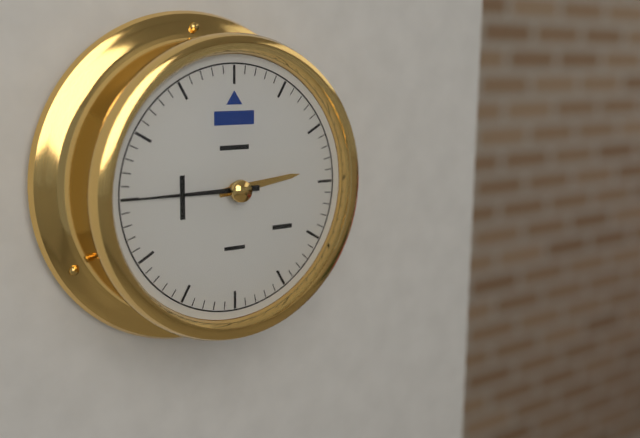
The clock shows **2:45**
